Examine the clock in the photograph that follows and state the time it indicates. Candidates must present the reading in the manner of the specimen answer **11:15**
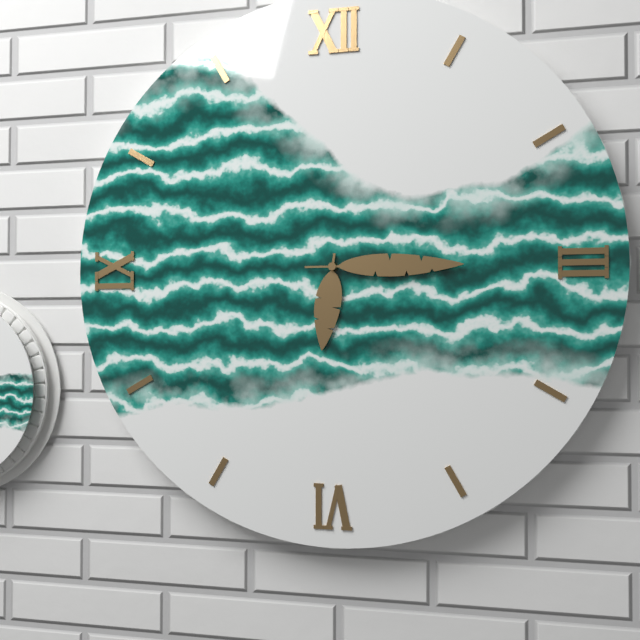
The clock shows **6:15**
